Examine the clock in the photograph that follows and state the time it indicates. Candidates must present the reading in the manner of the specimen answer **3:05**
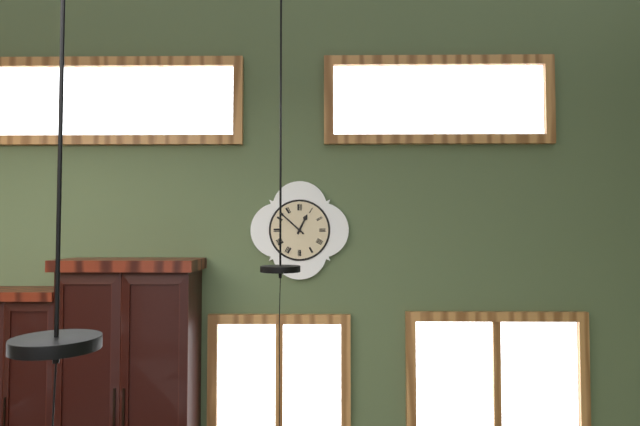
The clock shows **12:52**
